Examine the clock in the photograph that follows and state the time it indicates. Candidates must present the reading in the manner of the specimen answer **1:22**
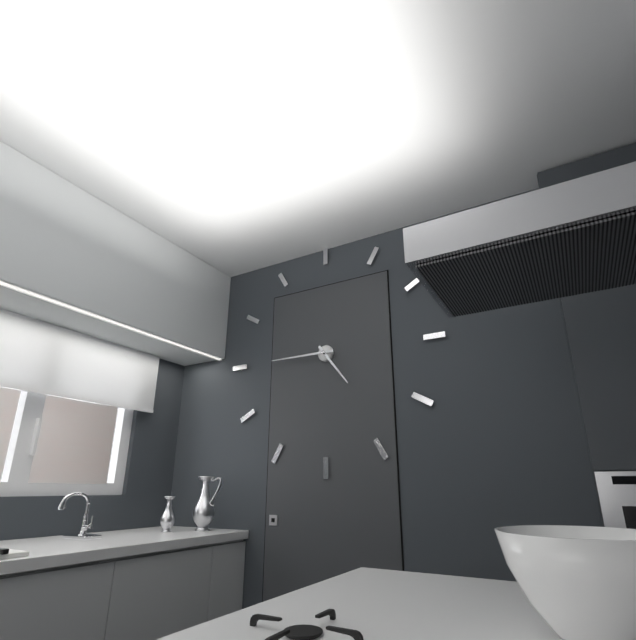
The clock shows **4:45**
